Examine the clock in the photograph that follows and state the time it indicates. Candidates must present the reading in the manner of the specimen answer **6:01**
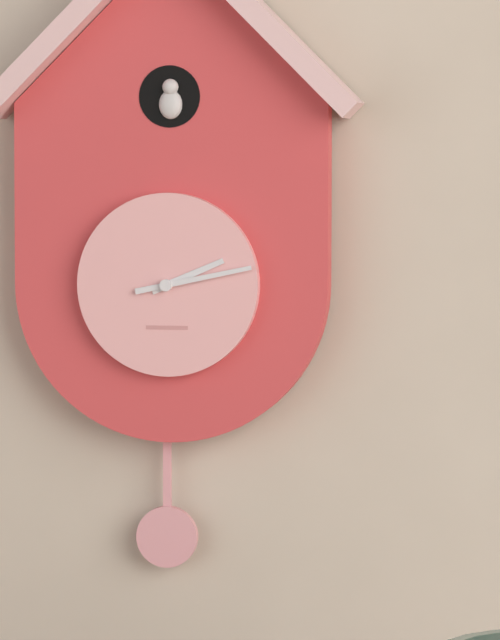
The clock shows **2:13**
